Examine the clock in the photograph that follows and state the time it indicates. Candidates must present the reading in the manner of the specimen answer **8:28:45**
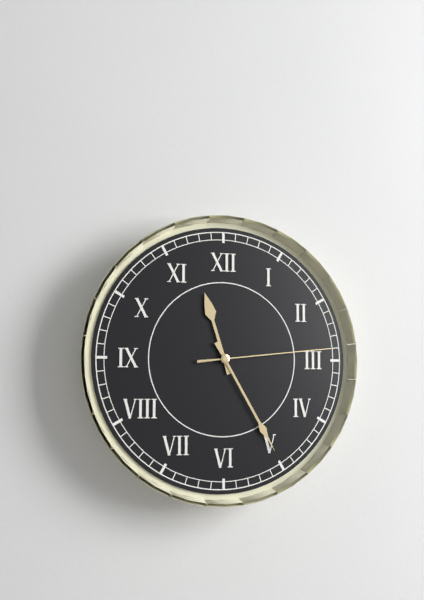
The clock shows **11:25:14**
